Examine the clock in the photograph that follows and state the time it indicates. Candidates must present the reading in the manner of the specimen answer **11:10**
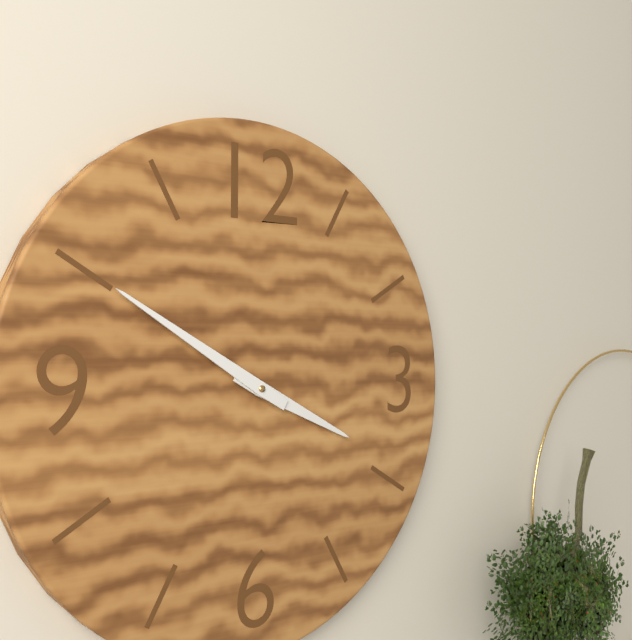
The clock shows **3:50**
